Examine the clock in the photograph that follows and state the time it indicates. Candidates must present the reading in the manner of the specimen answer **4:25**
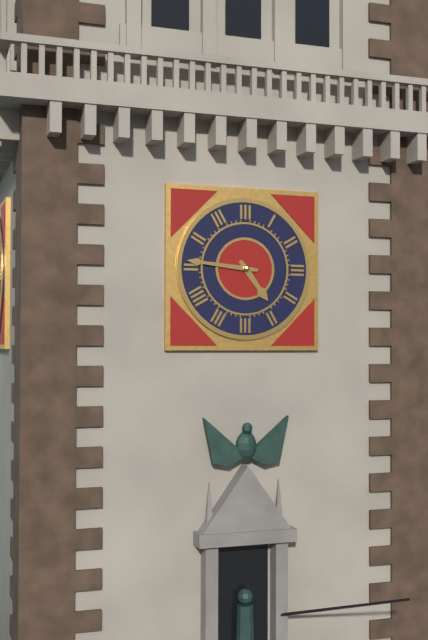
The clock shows **4:46**
